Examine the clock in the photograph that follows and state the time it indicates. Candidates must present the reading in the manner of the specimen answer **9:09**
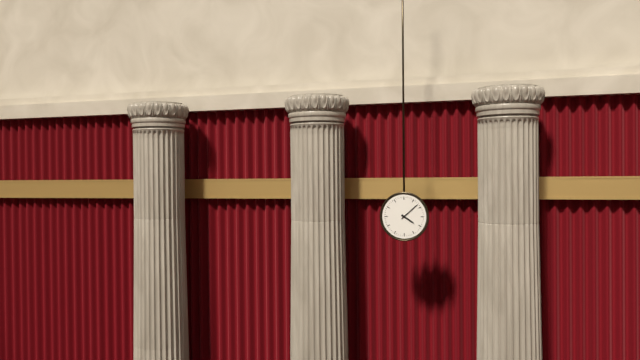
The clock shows **4:08**
